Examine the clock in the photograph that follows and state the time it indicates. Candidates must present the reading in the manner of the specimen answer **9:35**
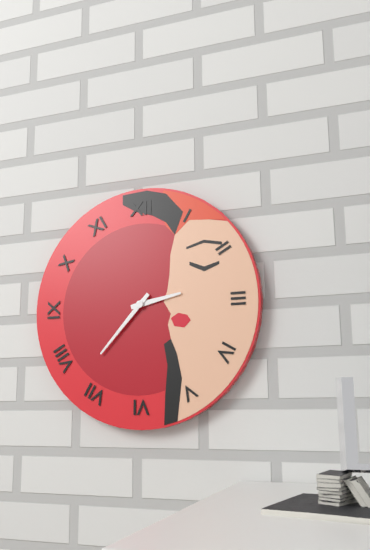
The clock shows **2:37**
